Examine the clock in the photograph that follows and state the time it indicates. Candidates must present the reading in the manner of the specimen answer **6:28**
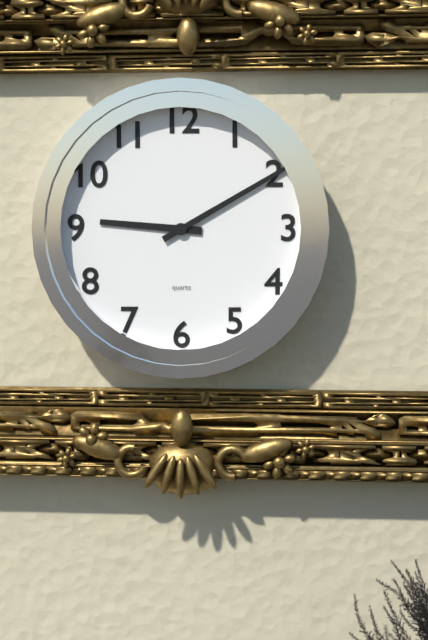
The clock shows **9:10**
